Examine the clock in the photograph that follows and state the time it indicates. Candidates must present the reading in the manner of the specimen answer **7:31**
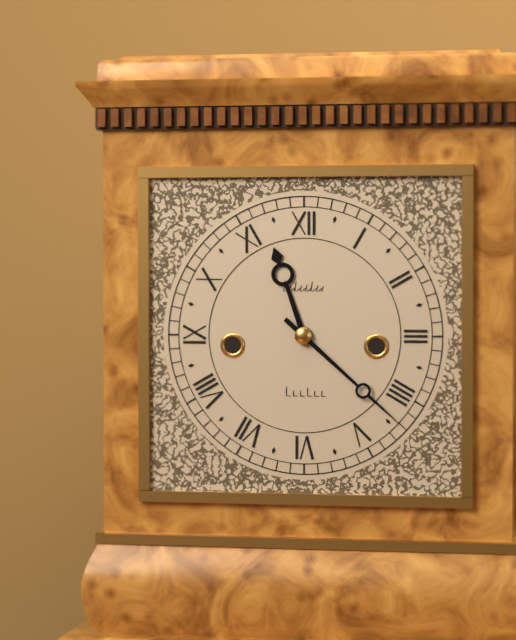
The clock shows **11:22**
